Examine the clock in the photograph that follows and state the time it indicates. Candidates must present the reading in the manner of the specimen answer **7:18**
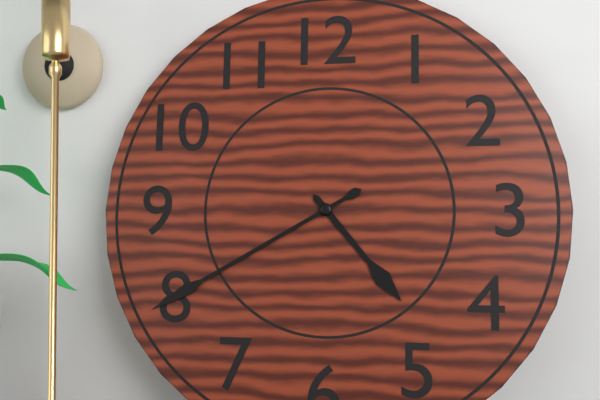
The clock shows **4:40**
